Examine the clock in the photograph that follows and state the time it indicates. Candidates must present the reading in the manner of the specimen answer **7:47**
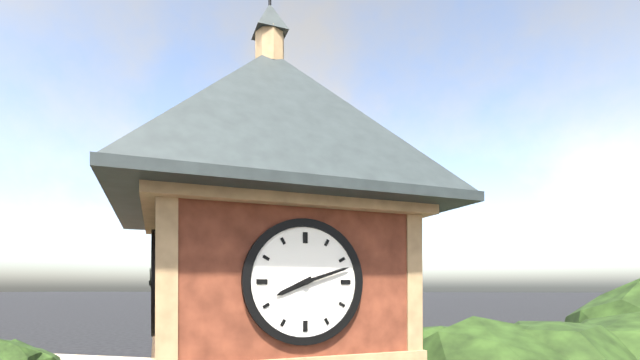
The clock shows **8:12**
